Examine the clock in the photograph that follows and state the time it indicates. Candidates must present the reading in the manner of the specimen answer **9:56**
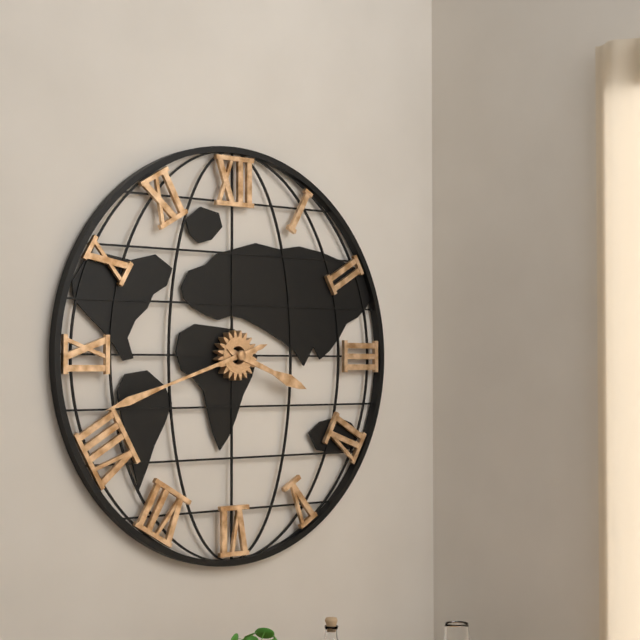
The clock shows **3:42**
